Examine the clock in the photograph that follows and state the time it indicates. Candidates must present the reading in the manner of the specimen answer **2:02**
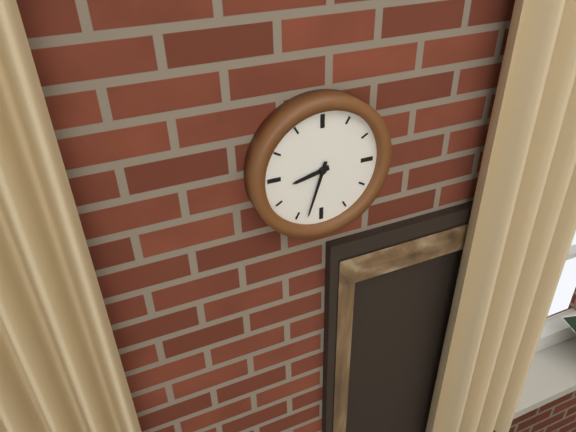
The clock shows **8:33**
